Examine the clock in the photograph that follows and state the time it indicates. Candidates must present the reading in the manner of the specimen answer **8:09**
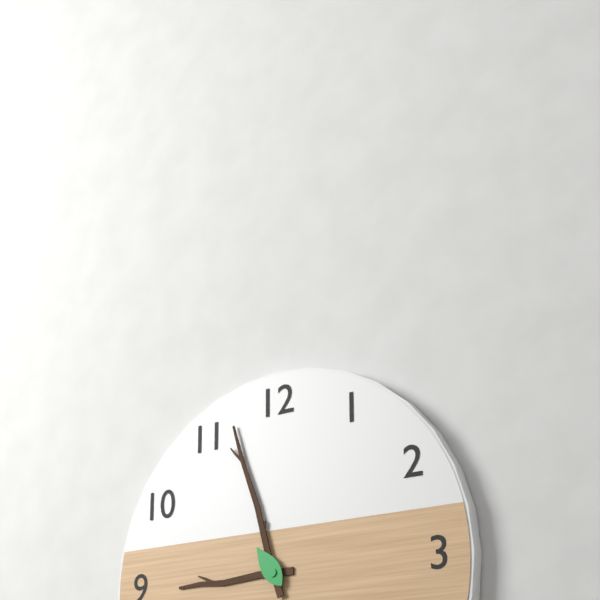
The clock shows **8:57**
